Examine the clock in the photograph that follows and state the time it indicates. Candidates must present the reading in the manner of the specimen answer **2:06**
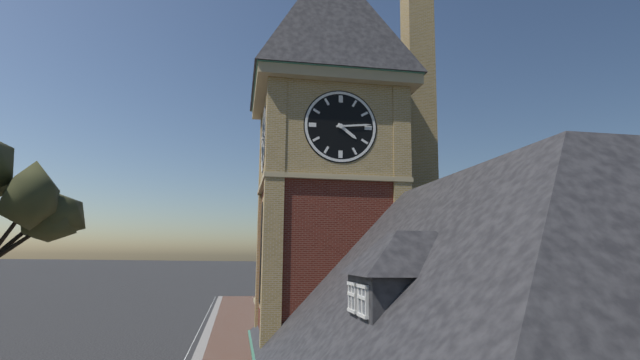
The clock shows **4:14**
